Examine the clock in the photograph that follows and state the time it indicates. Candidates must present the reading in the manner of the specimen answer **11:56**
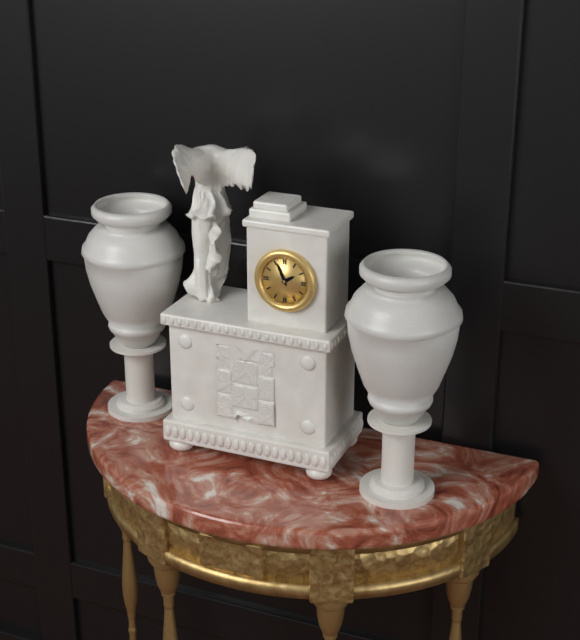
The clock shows **1:56**
